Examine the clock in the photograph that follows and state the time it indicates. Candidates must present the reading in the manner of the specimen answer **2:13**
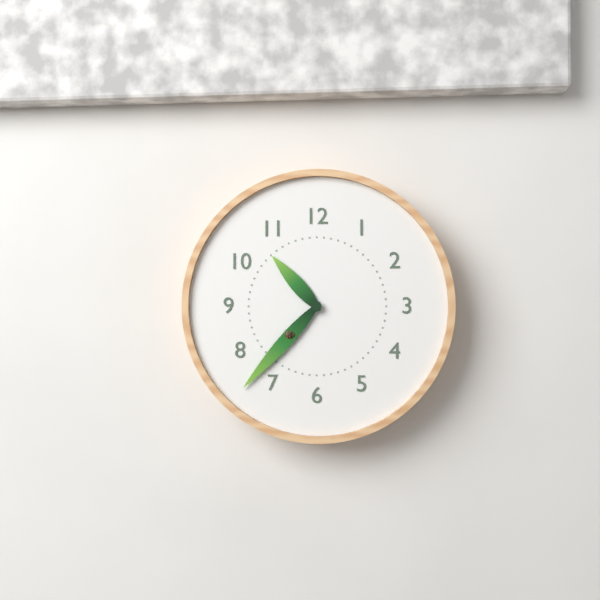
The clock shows **10:37**
